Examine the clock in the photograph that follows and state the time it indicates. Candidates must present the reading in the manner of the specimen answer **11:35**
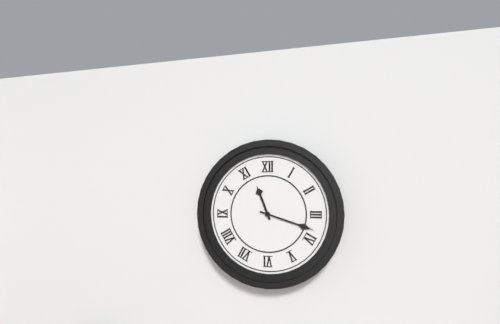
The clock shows **11:18**
